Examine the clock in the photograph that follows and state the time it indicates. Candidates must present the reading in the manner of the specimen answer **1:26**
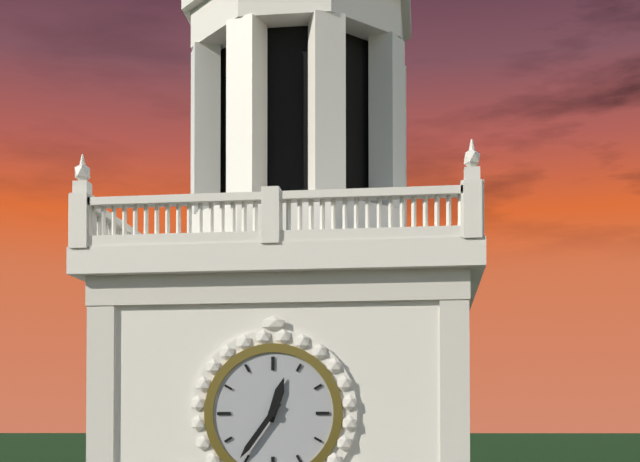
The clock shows **12:36**
